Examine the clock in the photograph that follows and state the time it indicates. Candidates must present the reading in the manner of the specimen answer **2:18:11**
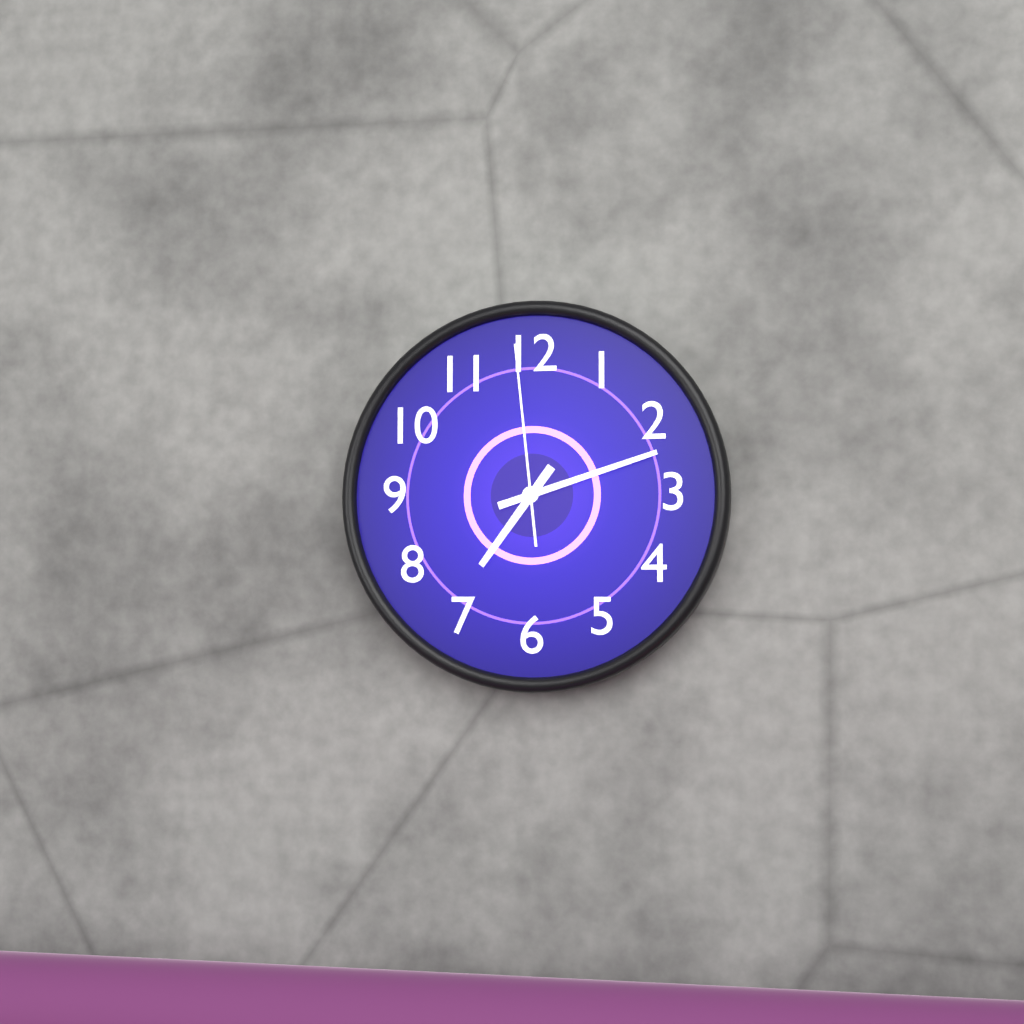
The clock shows **7:12:59**
